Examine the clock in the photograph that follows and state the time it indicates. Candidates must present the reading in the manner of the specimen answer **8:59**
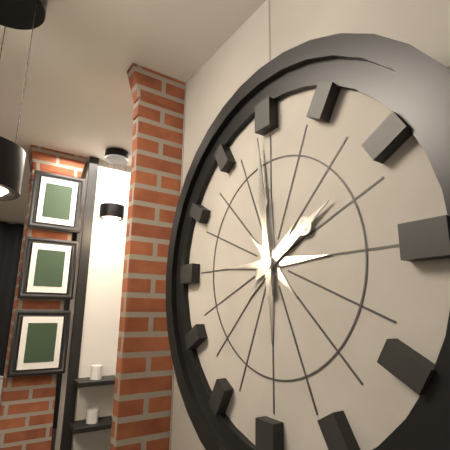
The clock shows **1:59**
